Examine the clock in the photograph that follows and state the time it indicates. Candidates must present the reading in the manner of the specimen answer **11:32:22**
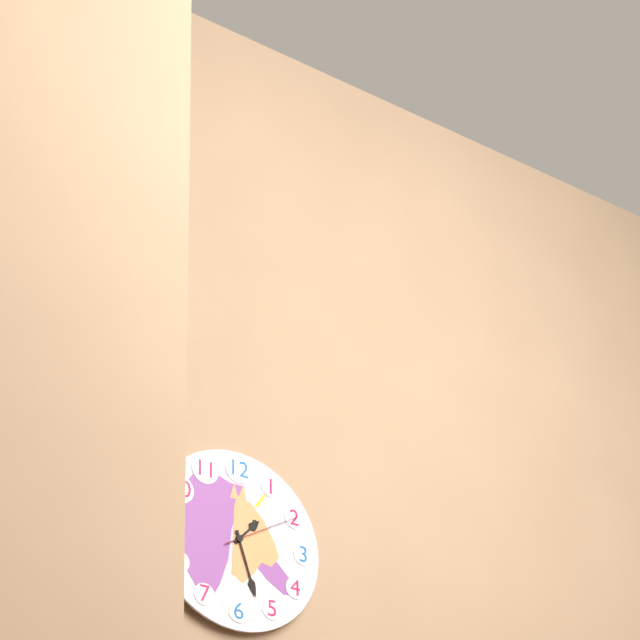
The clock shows **1:27:10**
